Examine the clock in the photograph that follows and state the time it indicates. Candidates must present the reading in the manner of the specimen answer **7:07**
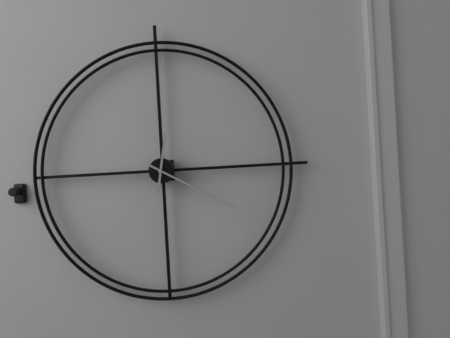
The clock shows **12:20**
